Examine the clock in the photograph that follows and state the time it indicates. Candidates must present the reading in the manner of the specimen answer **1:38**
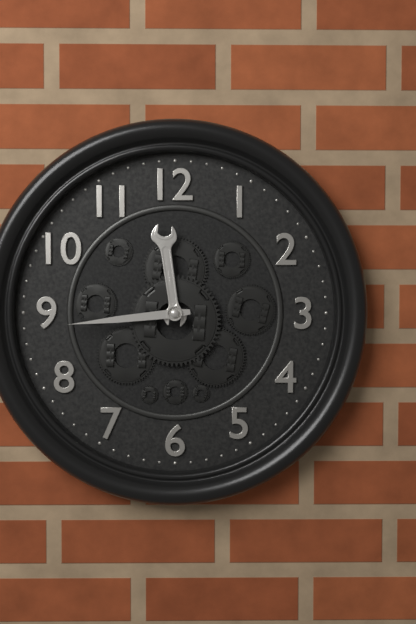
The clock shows **11:44**
